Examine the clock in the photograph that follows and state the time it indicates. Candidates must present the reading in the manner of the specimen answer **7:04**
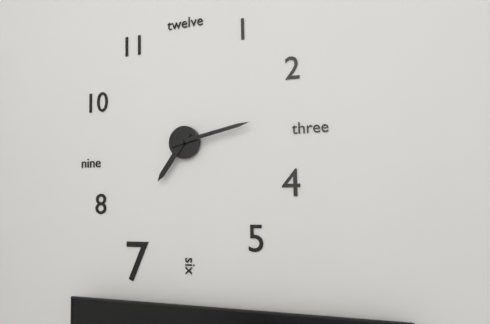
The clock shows **7:13**
